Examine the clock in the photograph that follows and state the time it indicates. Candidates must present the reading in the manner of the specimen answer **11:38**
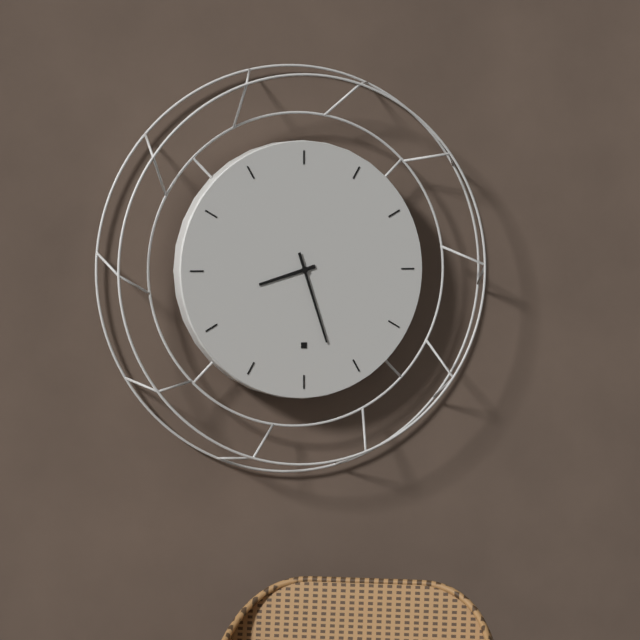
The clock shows **8:27**
